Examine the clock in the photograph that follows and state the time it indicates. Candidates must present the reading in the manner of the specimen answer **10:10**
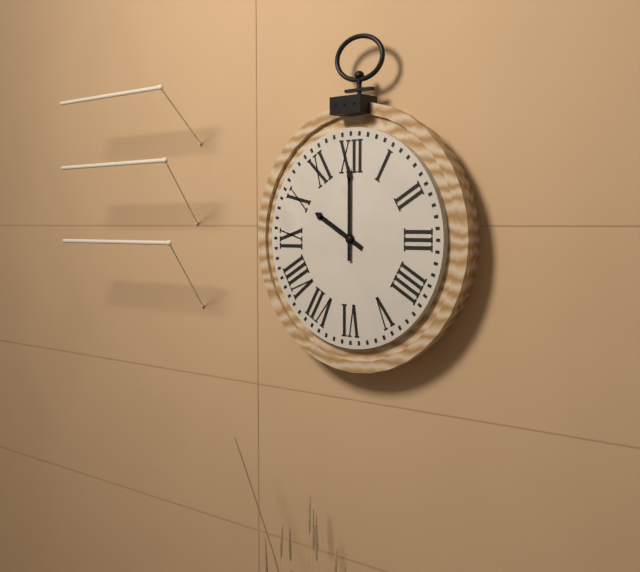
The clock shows **10:00**
